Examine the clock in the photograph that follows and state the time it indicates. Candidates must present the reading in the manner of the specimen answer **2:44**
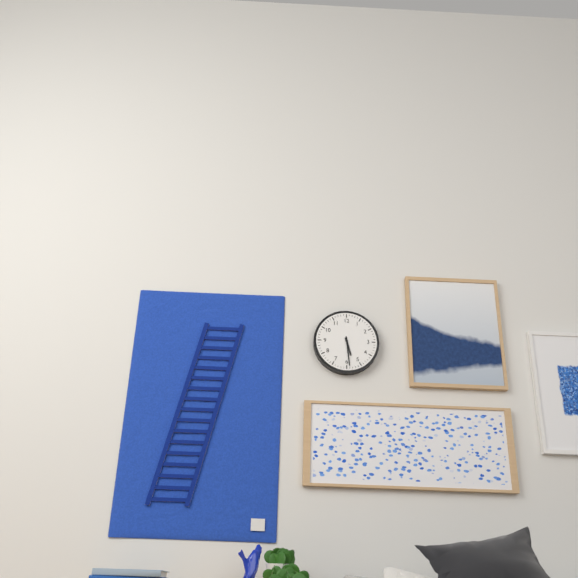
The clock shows **5:29**
